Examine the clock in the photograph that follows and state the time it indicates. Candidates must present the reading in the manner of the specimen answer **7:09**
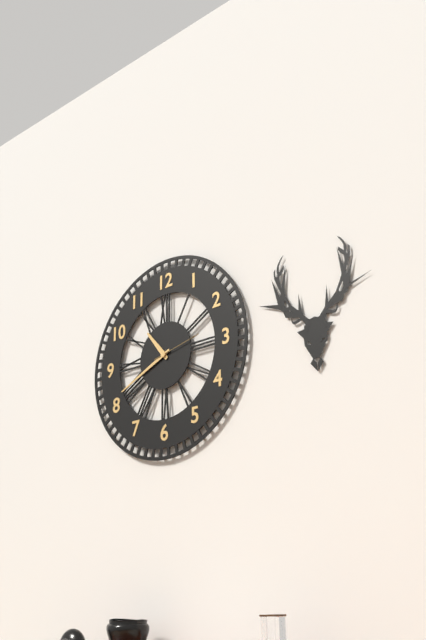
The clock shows **10:41**
